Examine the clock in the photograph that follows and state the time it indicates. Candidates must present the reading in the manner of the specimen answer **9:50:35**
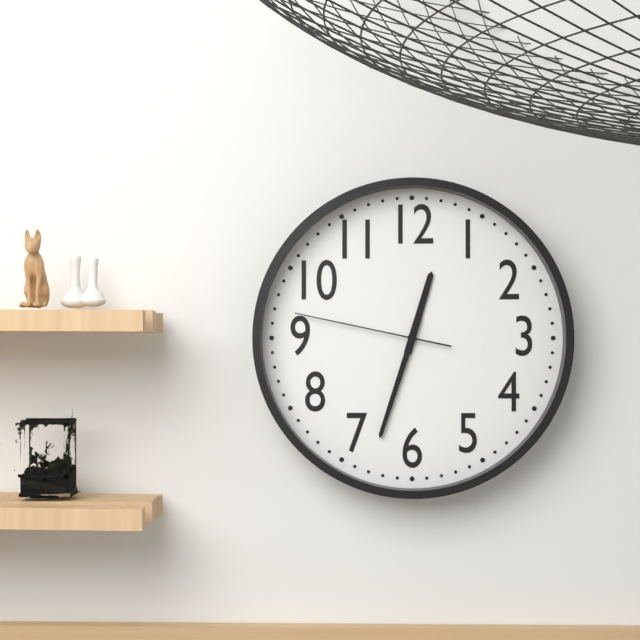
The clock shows **12:33:47**
